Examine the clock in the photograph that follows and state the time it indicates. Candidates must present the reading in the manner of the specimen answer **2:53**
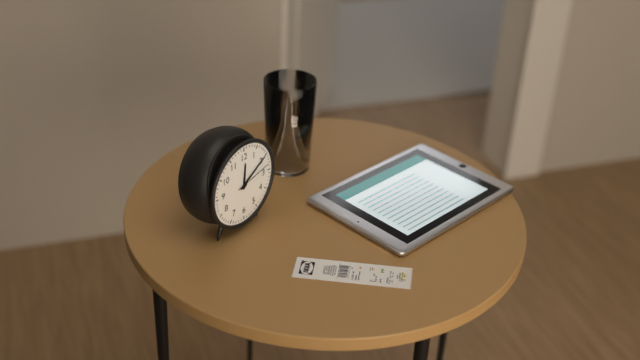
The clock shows **12:10**
